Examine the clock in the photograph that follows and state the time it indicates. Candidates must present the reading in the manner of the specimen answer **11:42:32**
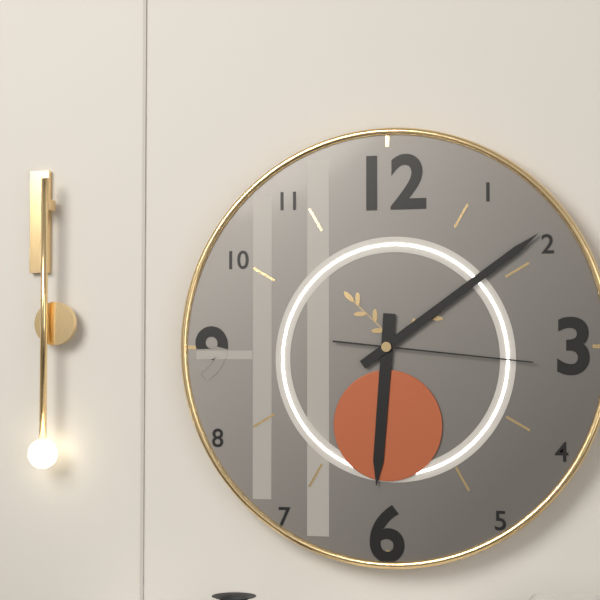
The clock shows **6:09:16**
